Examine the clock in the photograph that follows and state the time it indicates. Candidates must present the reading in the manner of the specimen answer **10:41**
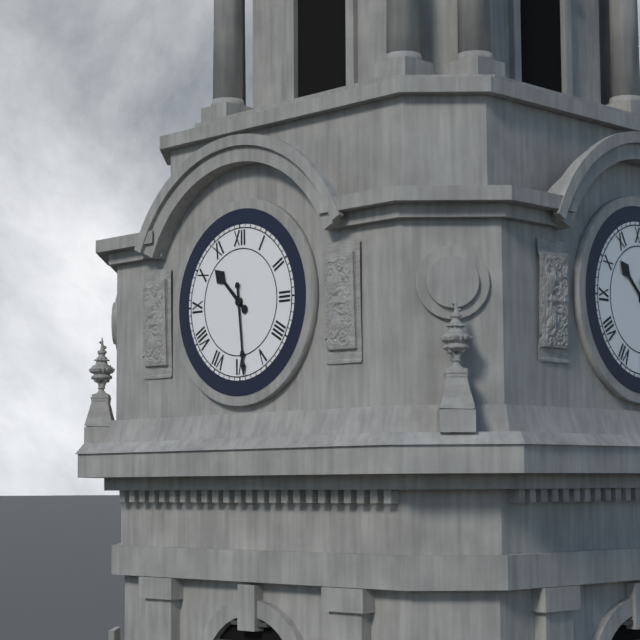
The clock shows **10:29**
